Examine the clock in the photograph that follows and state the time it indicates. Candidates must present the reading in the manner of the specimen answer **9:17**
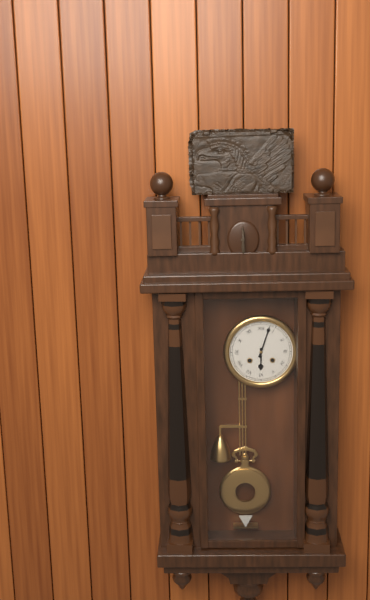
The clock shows **6:03**
